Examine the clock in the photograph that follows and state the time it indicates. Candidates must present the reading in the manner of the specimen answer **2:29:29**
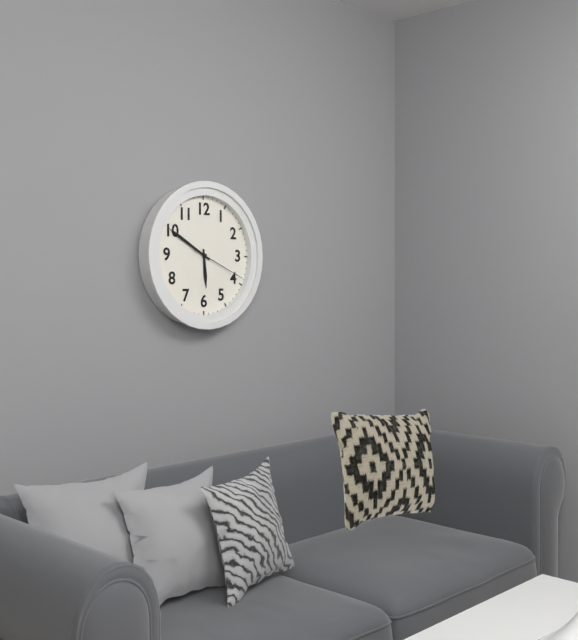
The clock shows **5:50:19**
